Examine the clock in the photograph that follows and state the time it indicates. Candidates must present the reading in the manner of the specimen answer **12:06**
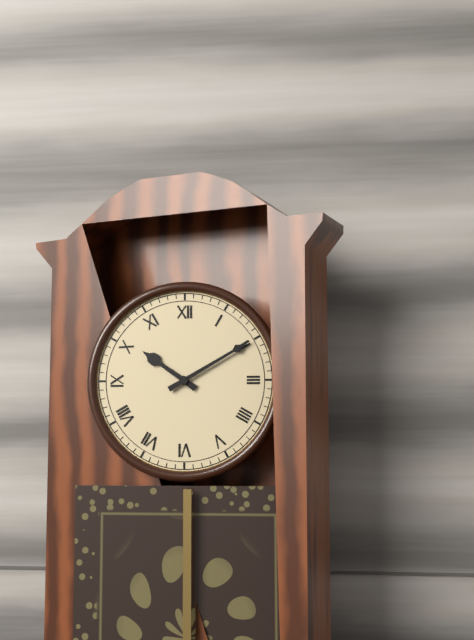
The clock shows **10:10**
